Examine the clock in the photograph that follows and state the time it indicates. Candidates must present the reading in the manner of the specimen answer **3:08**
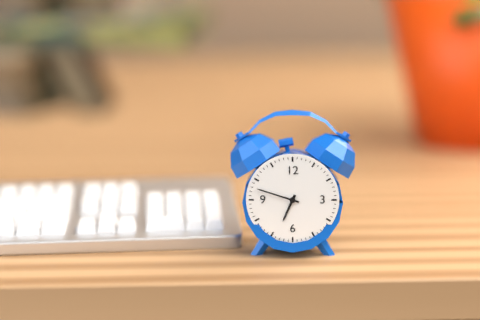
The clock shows **6:48**
